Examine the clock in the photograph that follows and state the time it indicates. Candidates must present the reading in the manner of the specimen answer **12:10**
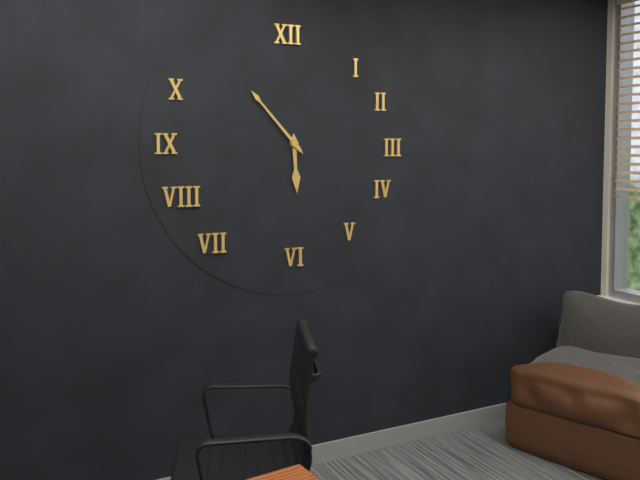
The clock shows **5:53**
